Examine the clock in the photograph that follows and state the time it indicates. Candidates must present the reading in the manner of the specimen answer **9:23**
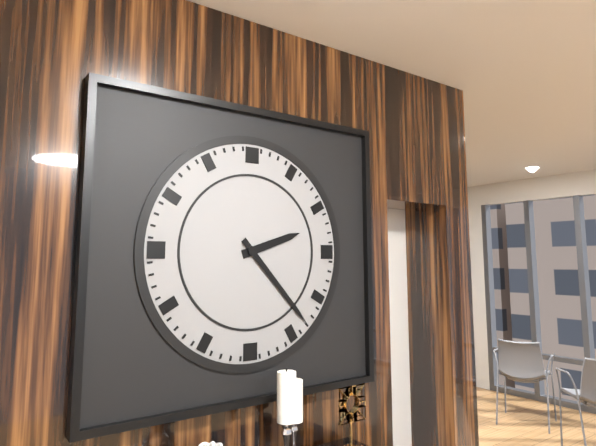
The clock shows **2:23**
